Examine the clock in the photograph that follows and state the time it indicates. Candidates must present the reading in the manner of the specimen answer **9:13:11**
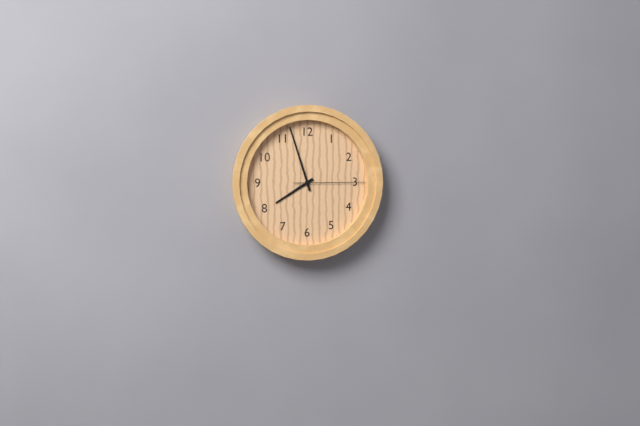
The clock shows **7:57:15**
